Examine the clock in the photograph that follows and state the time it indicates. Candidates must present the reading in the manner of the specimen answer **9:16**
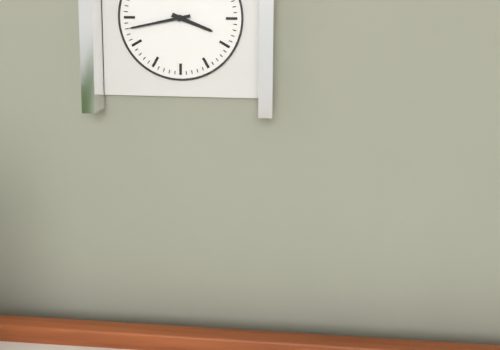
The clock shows **3:43**
